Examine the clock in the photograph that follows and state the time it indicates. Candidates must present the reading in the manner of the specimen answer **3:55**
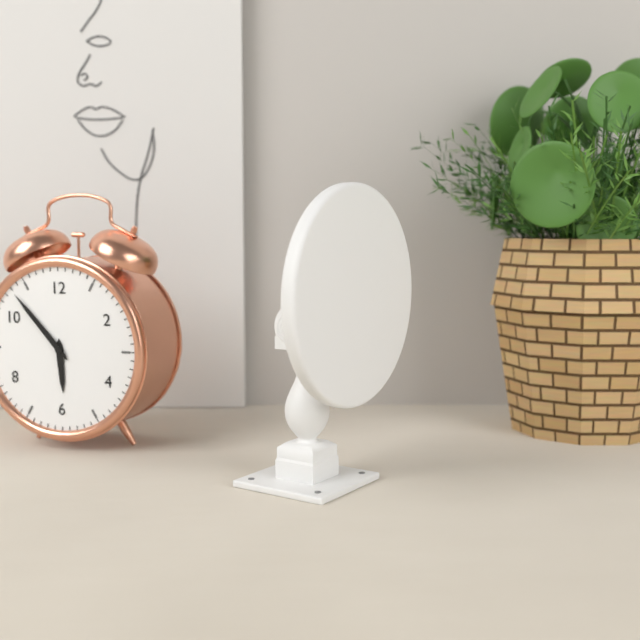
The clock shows **5:53**
